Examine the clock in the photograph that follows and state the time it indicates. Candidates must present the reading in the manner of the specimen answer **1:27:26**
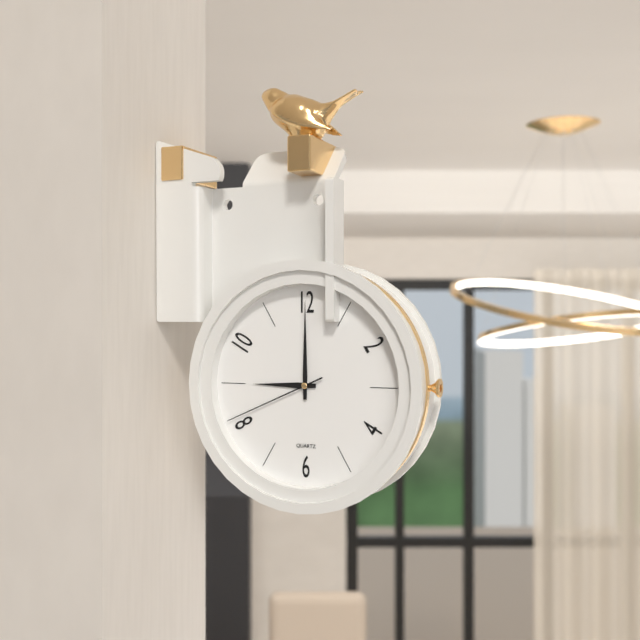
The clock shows **9:00:41**
